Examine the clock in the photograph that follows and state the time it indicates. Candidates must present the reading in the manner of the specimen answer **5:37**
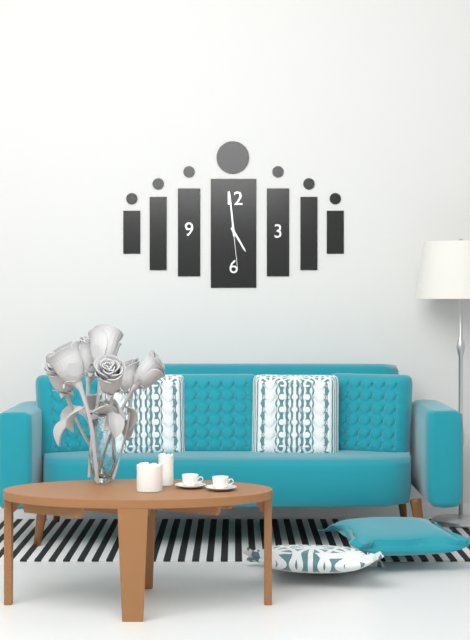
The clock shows **4:59**
